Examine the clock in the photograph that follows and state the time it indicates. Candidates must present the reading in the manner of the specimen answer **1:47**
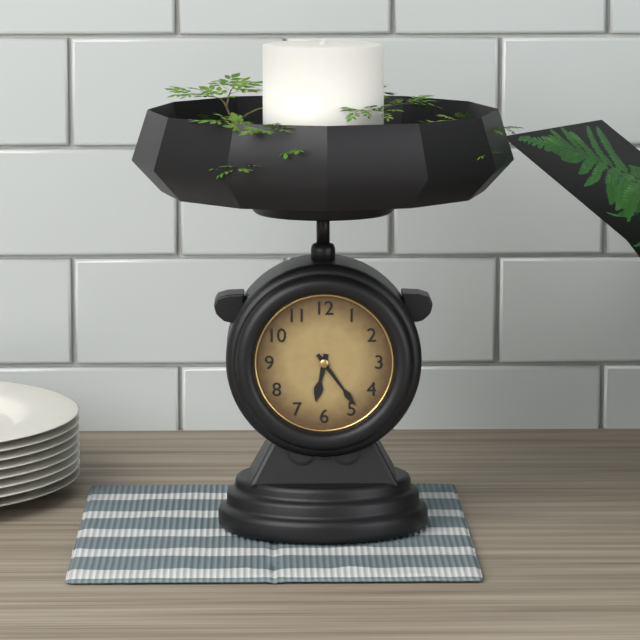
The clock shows **6:24**
